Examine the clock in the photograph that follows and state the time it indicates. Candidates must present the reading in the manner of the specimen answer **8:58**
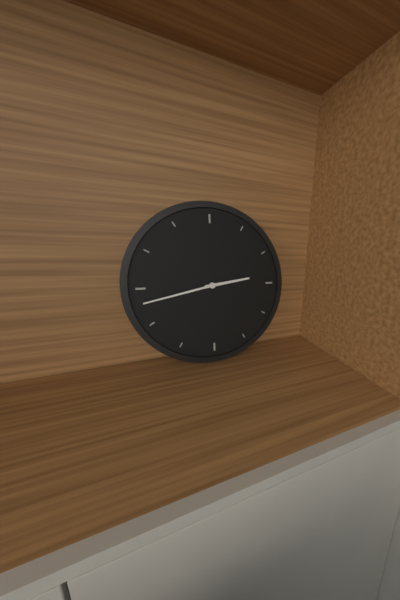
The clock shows **2:43**
